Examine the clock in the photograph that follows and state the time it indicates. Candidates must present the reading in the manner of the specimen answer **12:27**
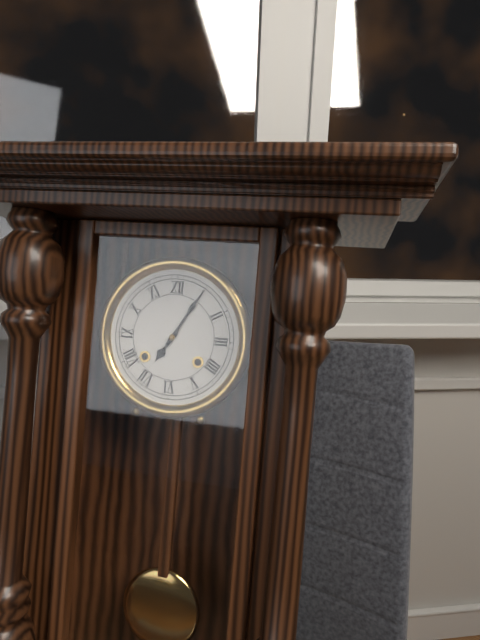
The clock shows **7:05**
